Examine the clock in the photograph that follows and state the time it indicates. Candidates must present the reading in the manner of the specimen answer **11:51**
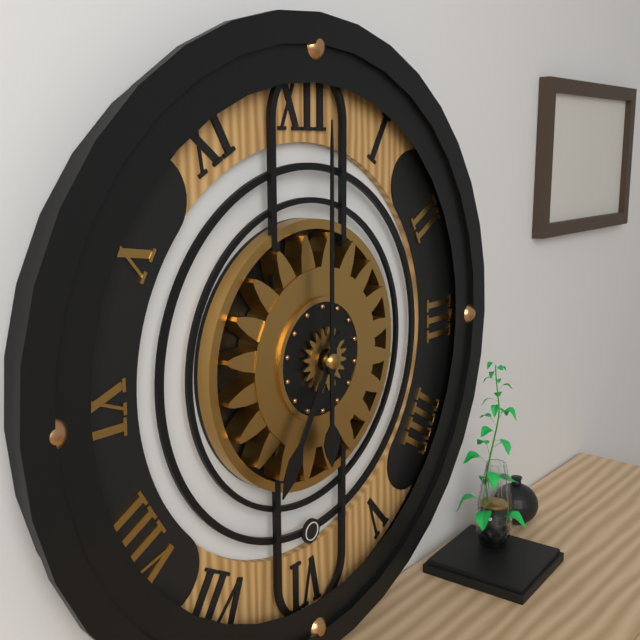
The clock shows **7:00**
